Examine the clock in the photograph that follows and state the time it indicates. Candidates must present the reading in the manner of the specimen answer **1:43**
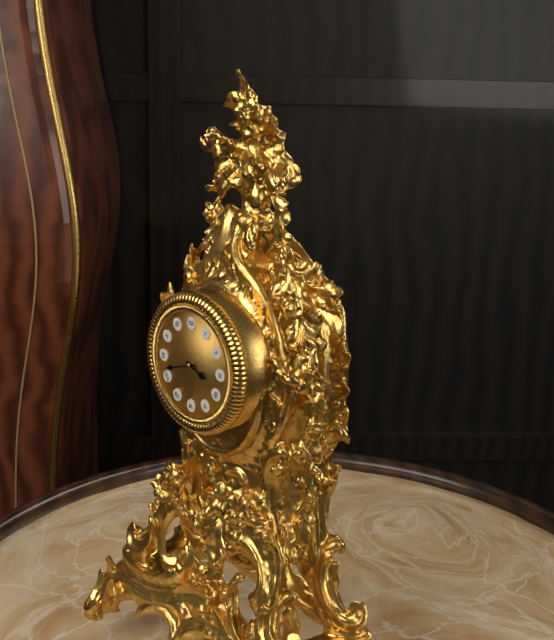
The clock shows **3:42**
